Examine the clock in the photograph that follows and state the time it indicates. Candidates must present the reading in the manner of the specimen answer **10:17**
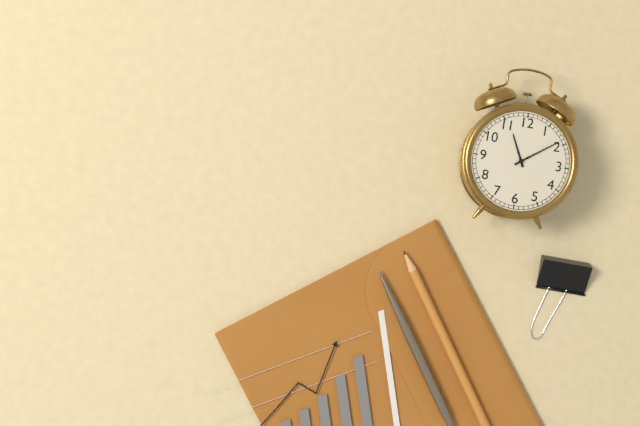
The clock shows **11:09**
